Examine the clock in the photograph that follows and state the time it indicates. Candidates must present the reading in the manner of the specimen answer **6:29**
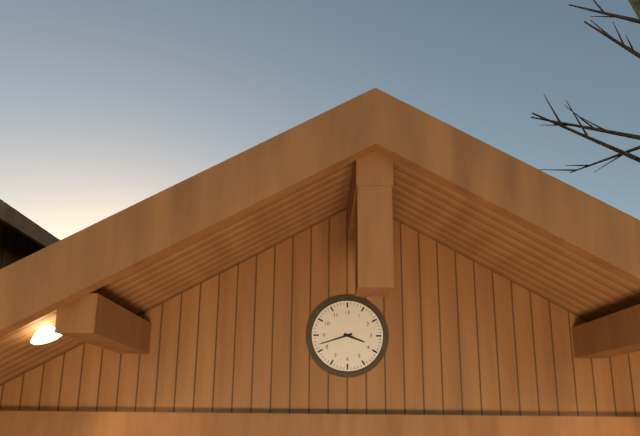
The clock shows **3:42**
